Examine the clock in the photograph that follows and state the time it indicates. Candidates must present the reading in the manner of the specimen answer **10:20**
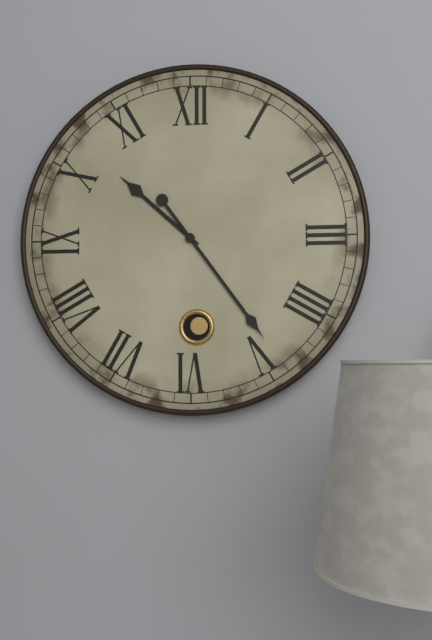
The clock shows **10:24**
